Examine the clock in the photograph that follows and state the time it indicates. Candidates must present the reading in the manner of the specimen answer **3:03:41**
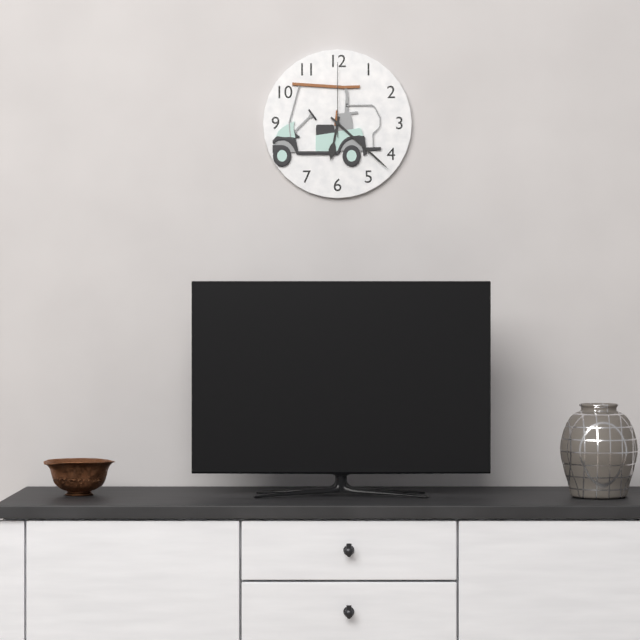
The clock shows **6:22:00**
